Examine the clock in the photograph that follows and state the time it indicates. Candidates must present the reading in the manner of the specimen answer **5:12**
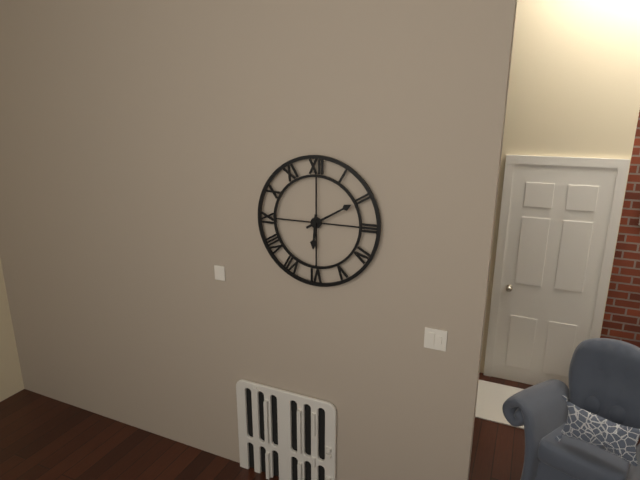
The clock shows **6:10**
